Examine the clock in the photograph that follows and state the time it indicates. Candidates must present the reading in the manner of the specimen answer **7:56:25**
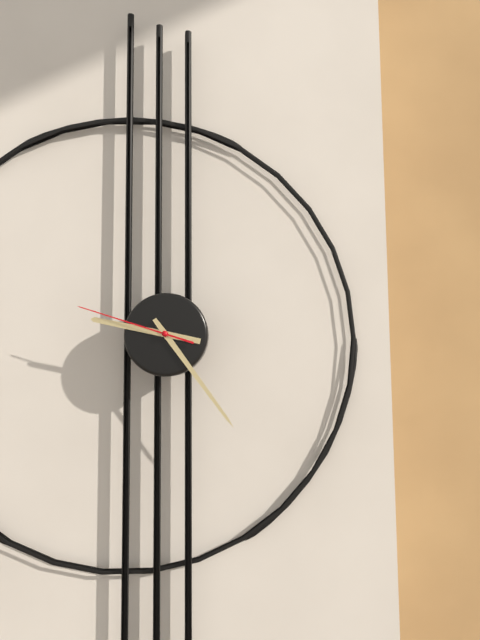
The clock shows **9:24:48**
